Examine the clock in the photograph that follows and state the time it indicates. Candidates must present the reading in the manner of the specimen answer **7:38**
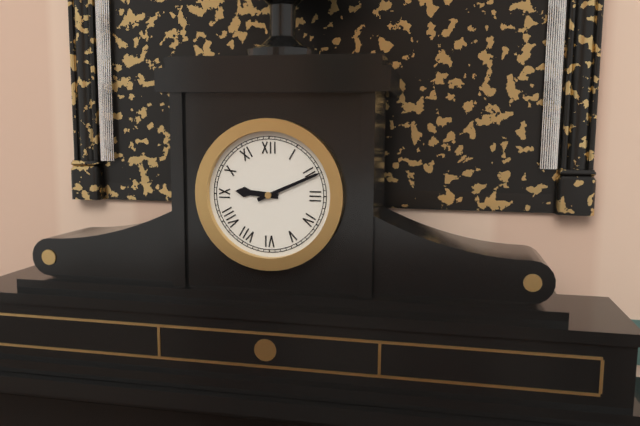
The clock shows **9:11**
